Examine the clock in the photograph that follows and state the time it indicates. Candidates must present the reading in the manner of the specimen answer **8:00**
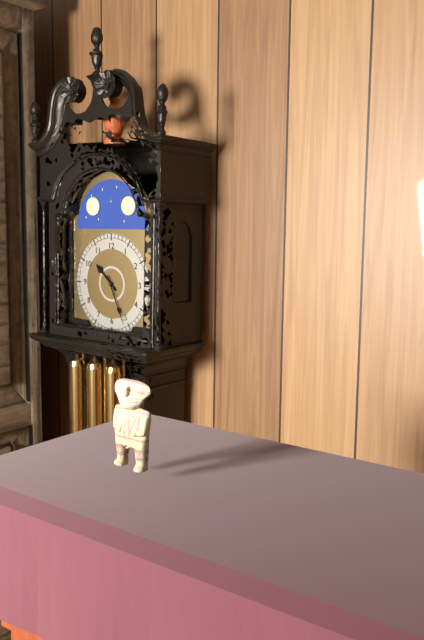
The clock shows **10:26**
